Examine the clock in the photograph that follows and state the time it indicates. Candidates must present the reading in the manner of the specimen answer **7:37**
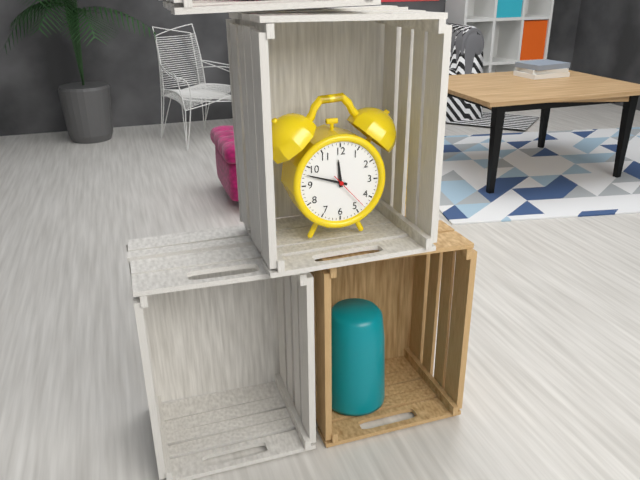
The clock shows **11:48**
